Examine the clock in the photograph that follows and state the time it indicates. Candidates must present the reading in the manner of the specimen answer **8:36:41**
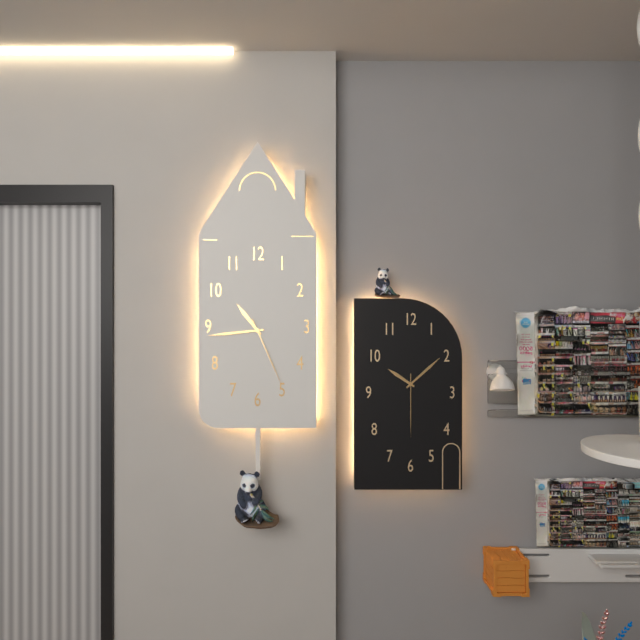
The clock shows **10:44:26**
